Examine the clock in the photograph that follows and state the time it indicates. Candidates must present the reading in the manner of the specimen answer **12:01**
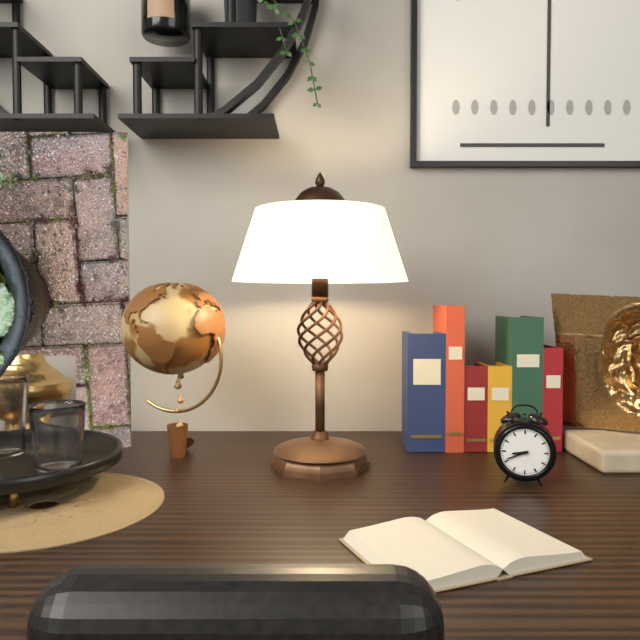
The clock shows **8:41**
